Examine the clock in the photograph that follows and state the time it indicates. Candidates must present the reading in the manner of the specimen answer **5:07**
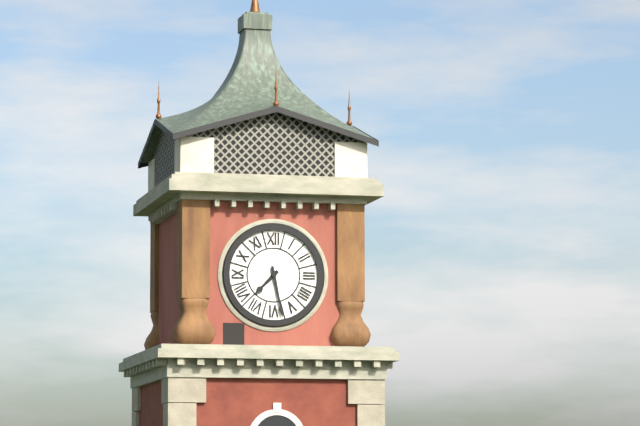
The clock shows **7:28**
